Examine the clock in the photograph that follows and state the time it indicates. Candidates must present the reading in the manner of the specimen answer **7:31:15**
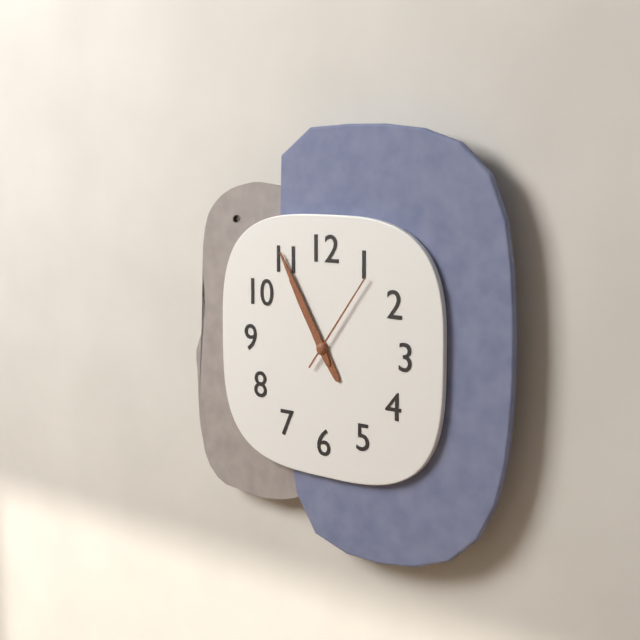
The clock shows **10:55:06**
